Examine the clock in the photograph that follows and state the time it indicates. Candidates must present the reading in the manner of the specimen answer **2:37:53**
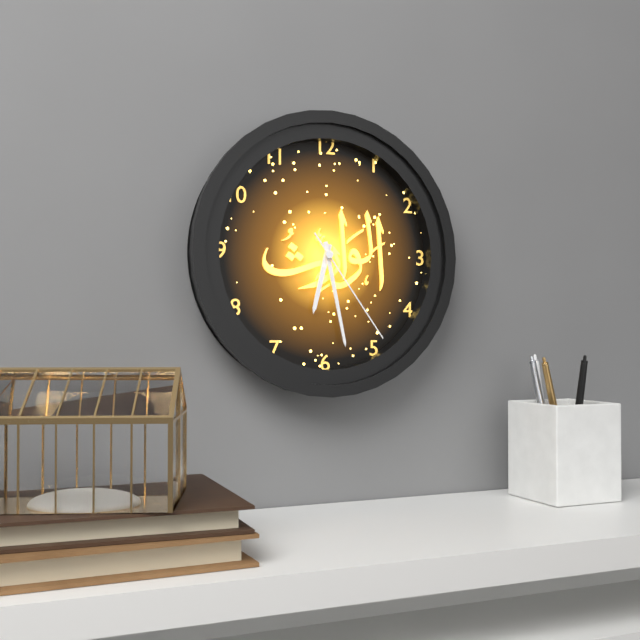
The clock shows **6:28:24**
